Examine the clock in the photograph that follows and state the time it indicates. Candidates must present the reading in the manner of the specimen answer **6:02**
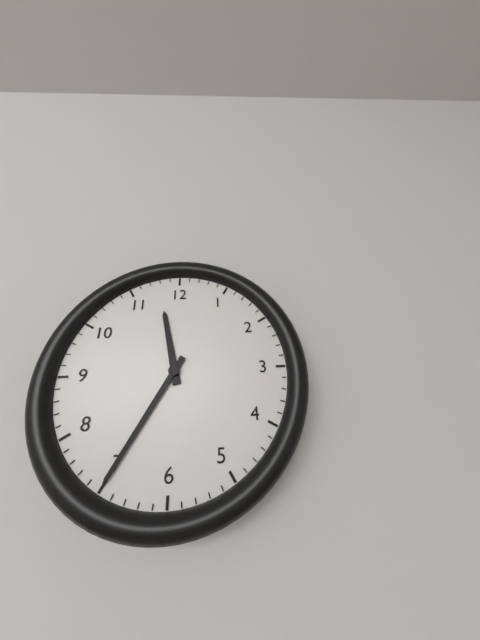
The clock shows **11:35**
